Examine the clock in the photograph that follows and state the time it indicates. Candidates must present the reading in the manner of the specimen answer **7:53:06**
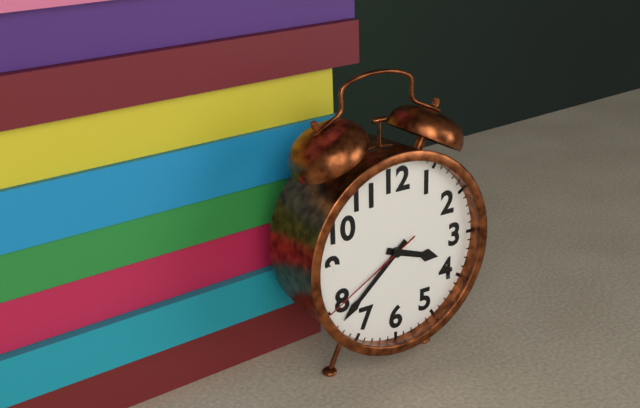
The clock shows **3:38:40**
